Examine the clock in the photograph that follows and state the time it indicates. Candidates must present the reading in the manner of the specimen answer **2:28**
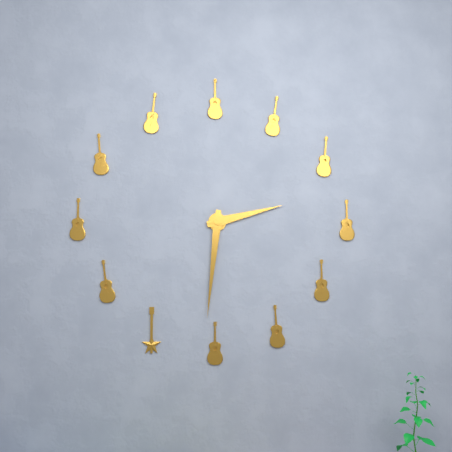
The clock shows **2:31**
